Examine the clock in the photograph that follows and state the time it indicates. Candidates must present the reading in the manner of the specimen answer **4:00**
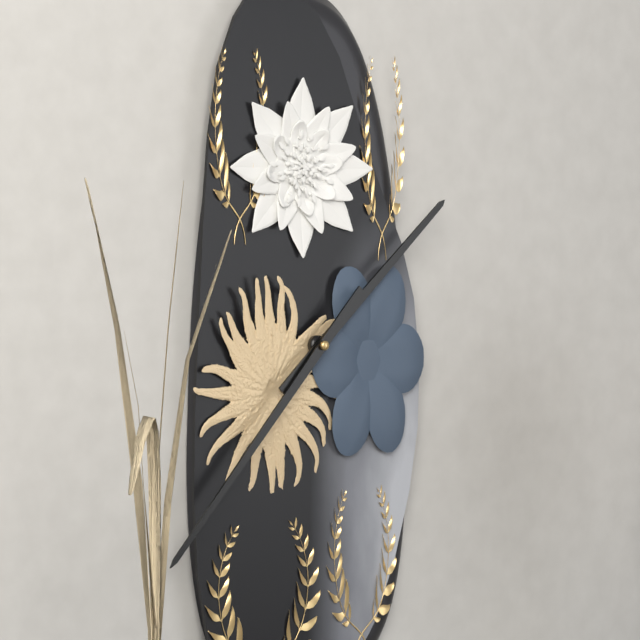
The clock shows **1:37**
